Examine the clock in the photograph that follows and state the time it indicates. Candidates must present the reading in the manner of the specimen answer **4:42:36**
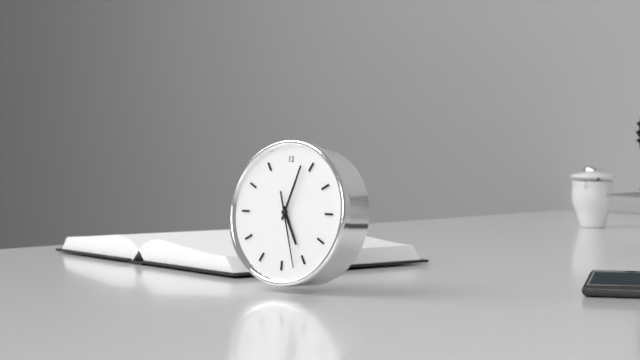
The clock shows **5:03:27**
